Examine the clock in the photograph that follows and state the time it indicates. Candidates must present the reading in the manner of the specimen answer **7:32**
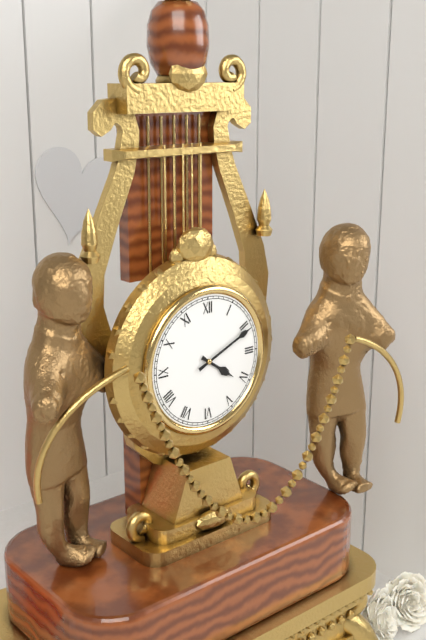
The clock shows **4:11**
